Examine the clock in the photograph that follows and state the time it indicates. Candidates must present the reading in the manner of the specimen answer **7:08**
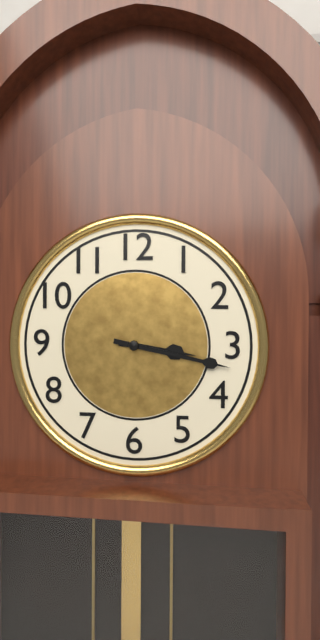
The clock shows **3:17**
